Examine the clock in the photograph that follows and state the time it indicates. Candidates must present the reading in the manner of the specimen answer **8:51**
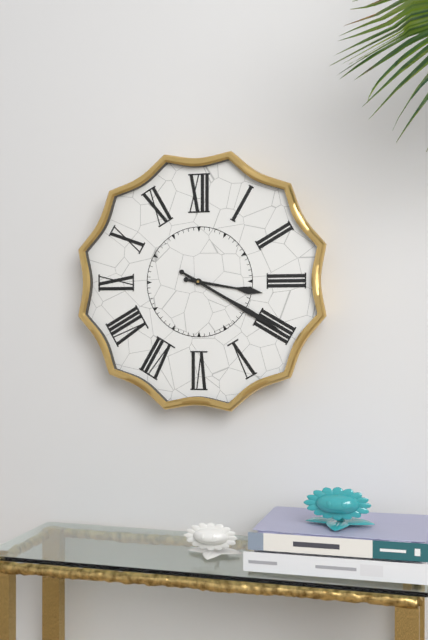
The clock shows **3:20**
